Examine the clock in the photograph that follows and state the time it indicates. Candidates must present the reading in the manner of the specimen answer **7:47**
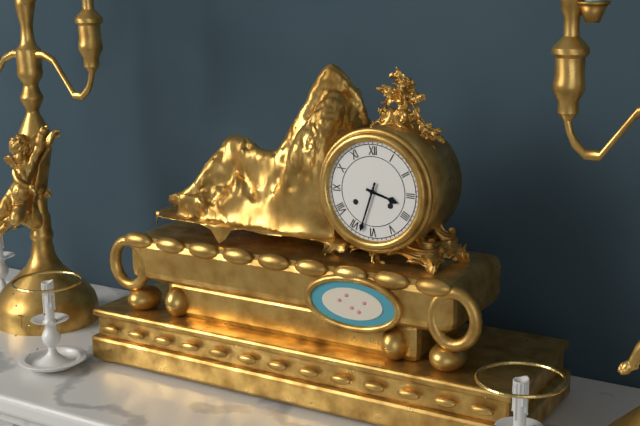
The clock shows **3:33**
